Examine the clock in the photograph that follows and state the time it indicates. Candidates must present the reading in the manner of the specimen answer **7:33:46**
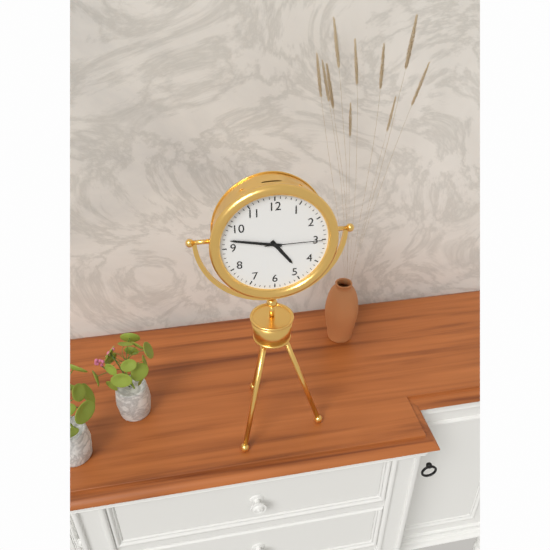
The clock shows **4:47:15**
